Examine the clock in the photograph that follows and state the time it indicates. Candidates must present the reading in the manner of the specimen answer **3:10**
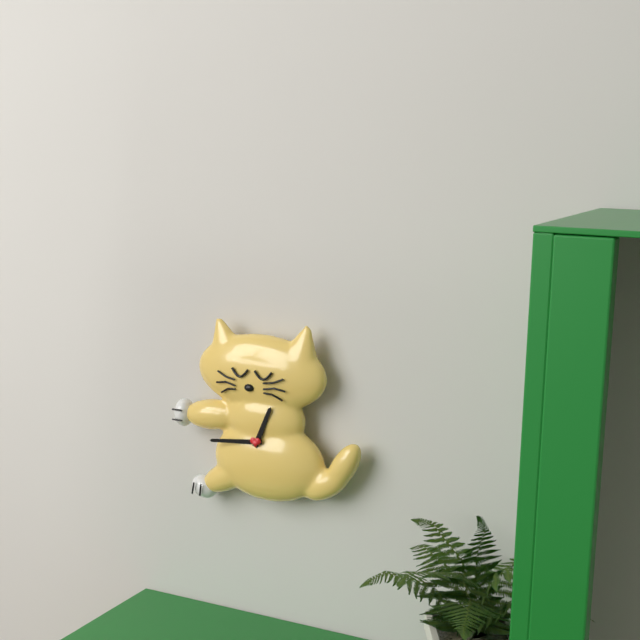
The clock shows **12:44**
